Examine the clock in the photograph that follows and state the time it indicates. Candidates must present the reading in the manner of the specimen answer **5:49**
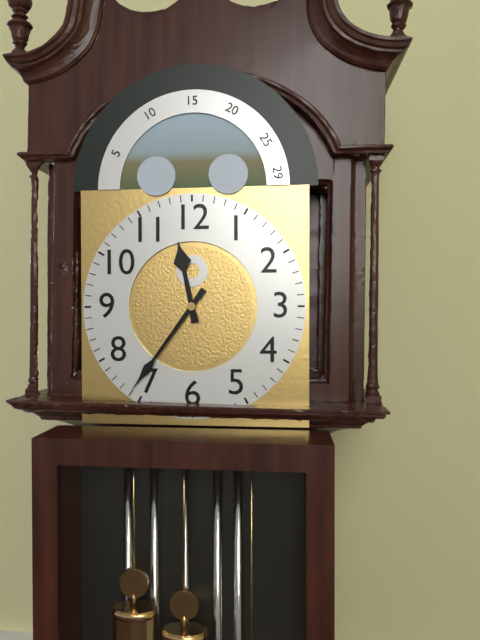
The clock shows **11:36**
